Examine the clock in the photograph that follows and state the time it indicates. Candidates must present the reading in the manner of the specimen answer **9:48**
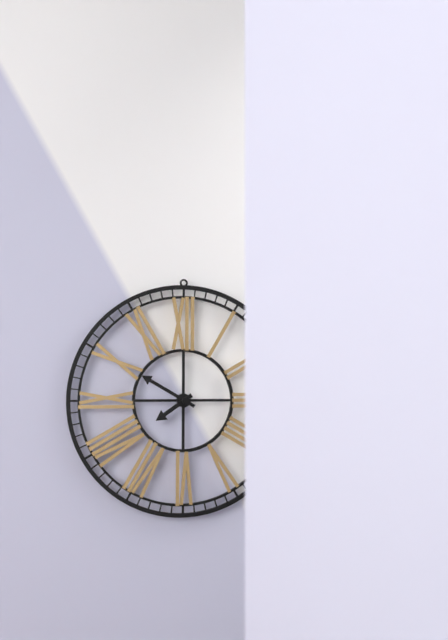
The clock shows **7:50**
